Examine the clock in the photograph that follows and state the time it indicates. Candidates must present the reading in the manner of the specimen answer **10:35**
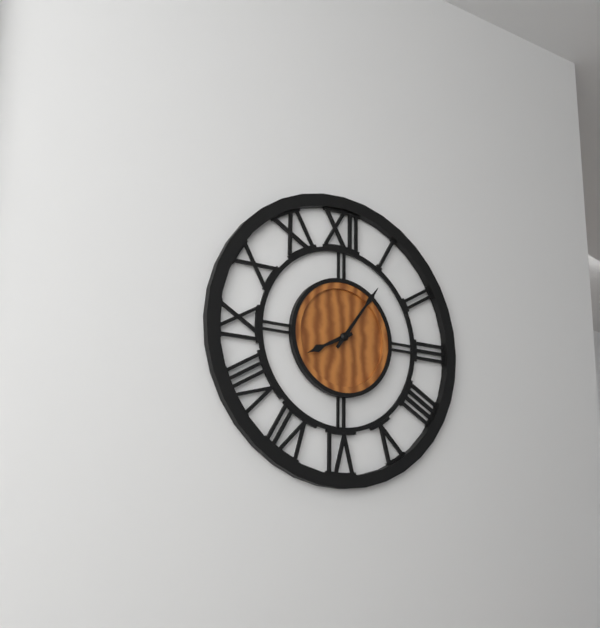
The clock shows **8:06**
